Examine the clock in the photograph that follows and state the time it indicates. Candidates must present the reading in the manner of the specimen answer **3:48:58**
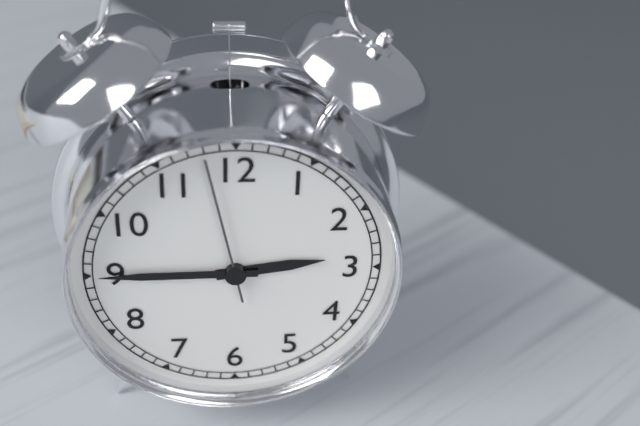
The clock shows **2:45:58**
